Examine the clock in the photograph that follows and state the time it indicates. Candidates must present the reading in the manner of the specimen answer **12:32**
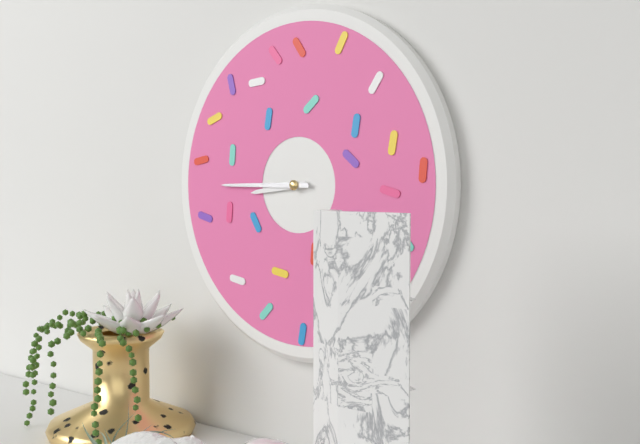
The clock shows **8:45**
